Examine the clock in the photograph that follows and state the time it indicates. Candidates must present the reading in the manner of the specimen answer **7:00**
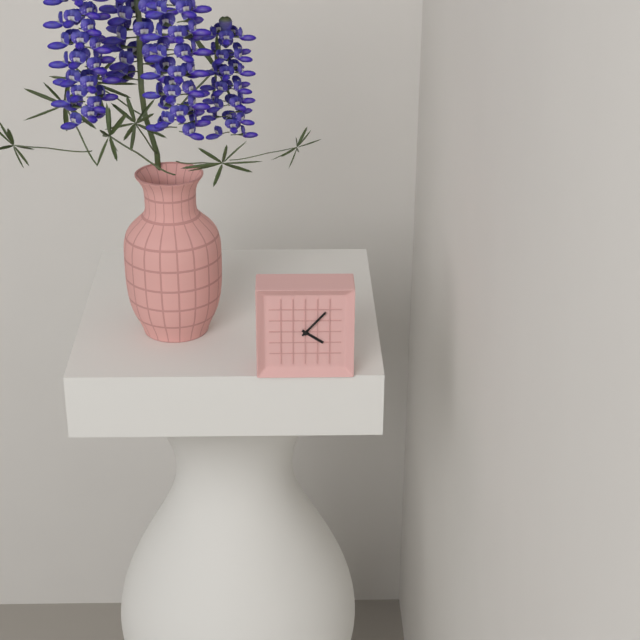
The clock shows **4:07**
